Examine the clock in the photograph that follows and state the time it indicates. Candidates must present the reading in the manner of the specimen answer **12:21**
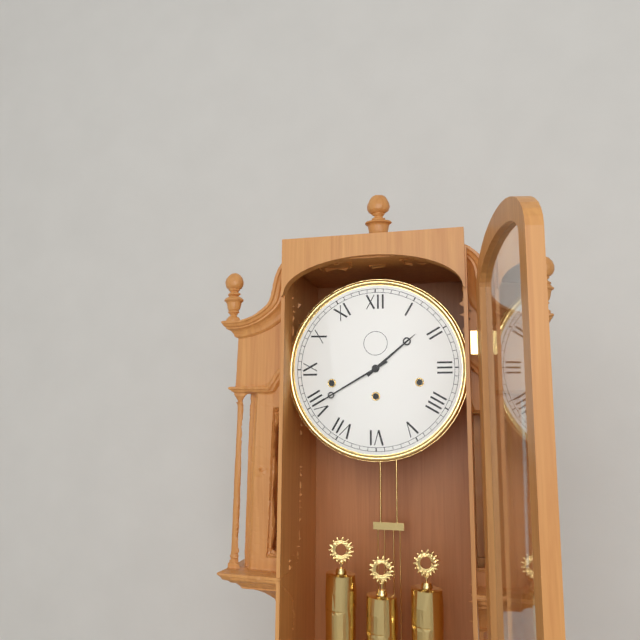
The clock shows **1:40**
